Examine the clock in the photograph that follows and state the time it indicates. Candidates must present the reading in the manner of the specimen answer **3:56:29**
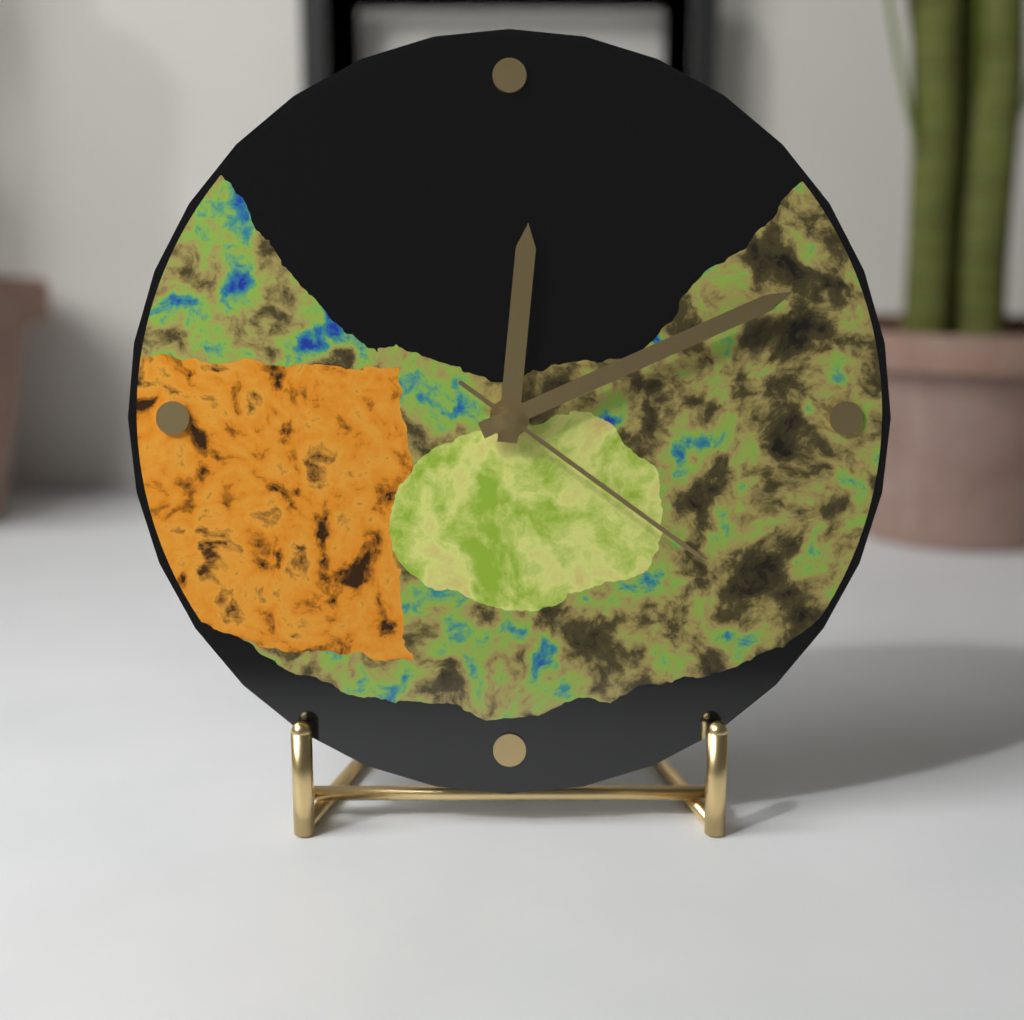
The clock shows **12:11:21**
